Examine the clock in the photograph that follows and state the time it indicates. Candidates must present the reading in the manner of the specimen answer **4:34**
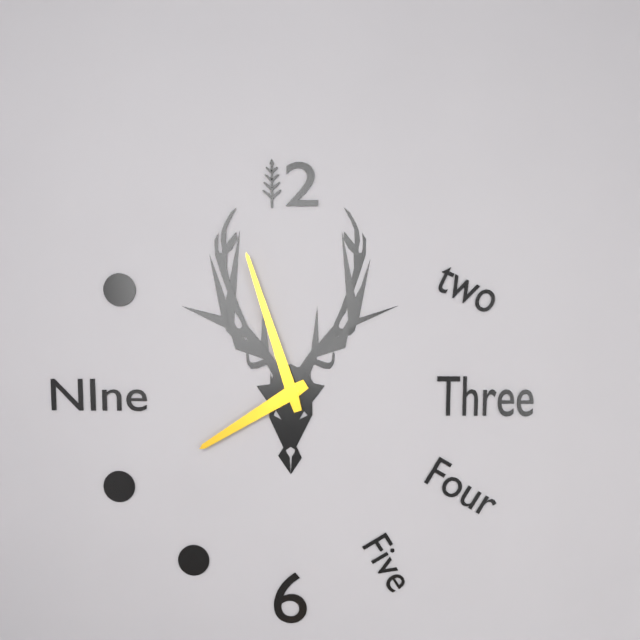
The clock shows **7:57**
